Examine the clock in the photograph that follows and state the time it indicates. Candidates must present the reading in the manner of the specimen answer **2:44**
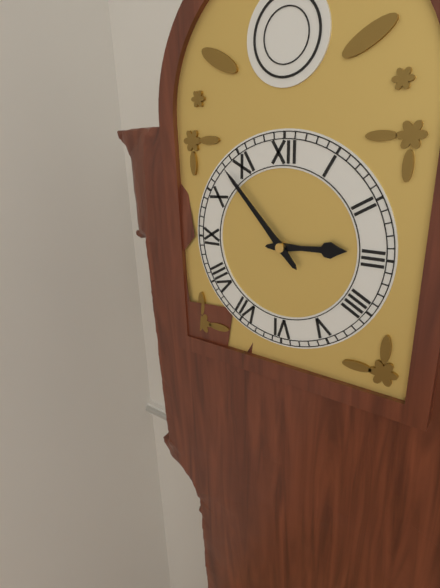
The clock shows **2:53**
